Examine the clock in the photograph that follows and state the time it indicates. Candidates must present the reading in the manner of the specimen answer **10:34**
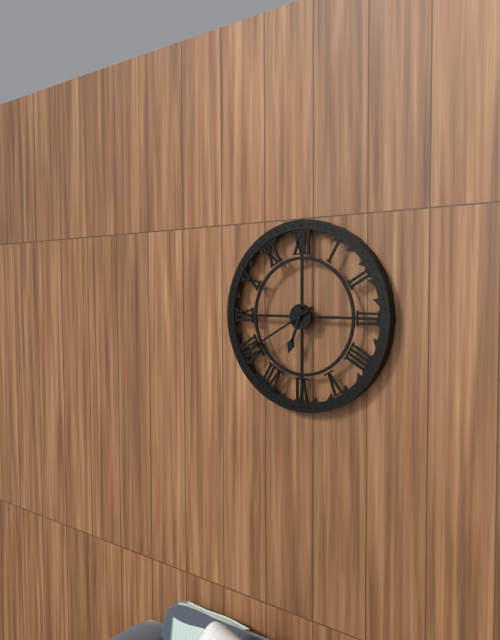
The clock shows **6:40**
